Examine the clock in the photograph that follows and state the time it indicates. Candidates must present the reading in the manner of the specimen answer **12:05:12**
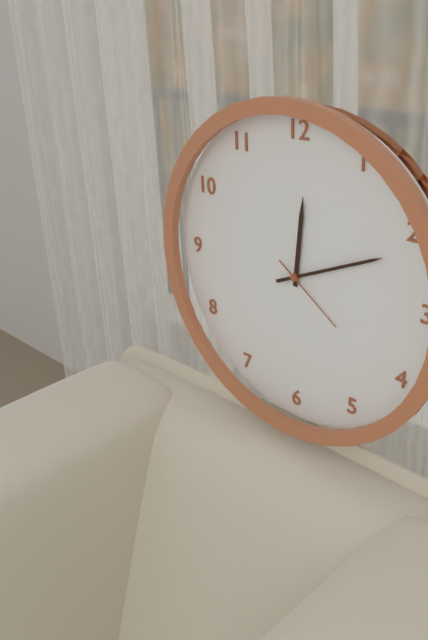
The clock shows **12:11:21**
